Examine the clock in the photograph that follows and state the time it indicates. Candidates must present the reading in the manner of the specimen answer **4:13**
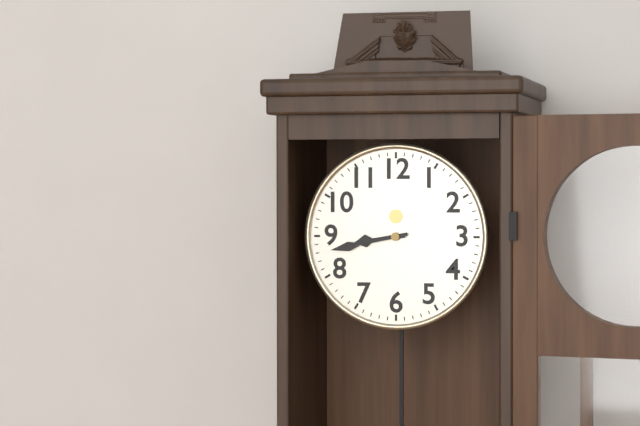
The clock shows **8:43**
